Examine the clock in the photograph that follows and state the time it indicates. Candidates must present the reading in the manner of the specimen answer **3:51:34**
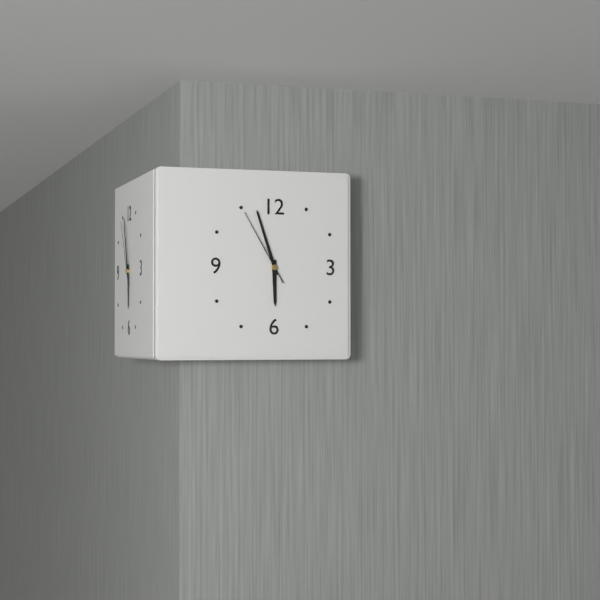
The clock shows **5:57:55**
